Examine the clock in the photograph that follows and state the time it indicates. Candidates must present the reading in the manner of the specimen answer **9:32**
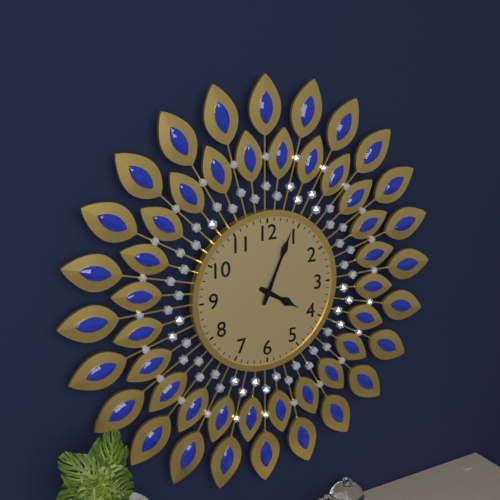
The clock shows **4:04**
